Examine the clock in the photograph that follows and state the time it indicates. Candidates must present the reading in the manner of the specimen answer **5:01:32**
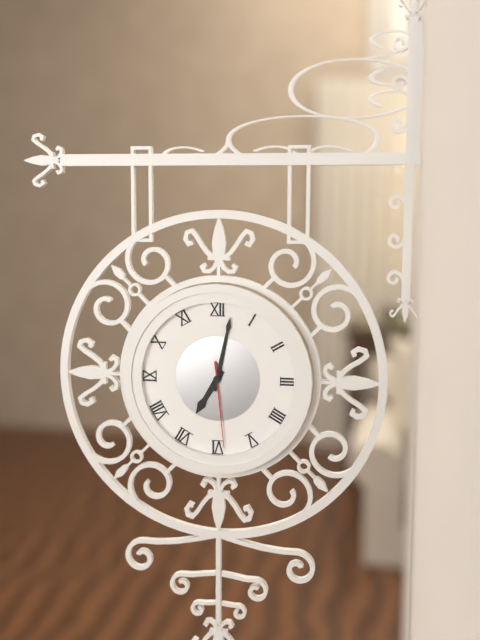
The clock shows **7:02:29**
